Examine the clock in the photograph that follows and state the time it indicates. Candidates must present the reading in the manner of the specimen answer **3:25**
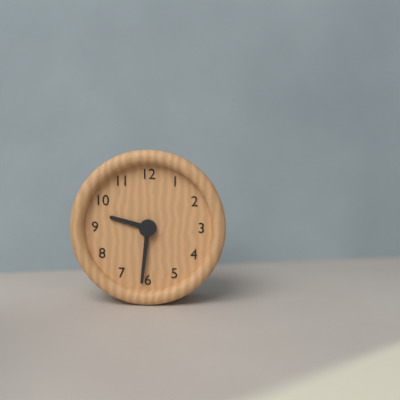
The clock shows **9:31**
